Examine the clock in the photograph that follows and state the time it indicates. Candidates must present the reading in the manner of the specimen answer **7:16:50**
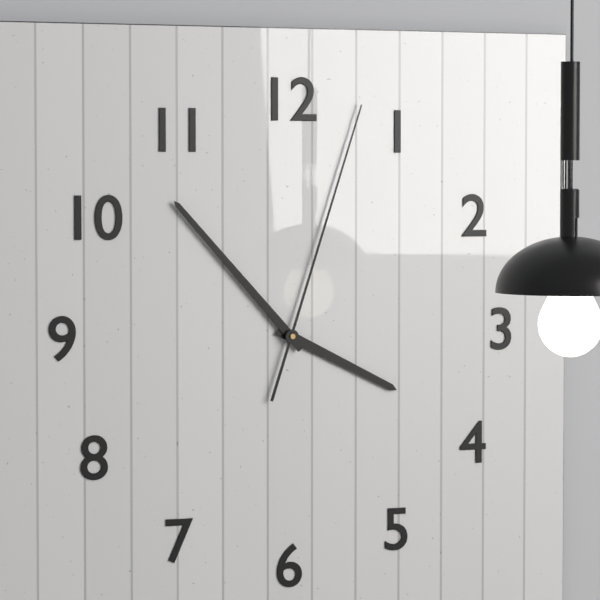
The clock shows **3:53:03**
